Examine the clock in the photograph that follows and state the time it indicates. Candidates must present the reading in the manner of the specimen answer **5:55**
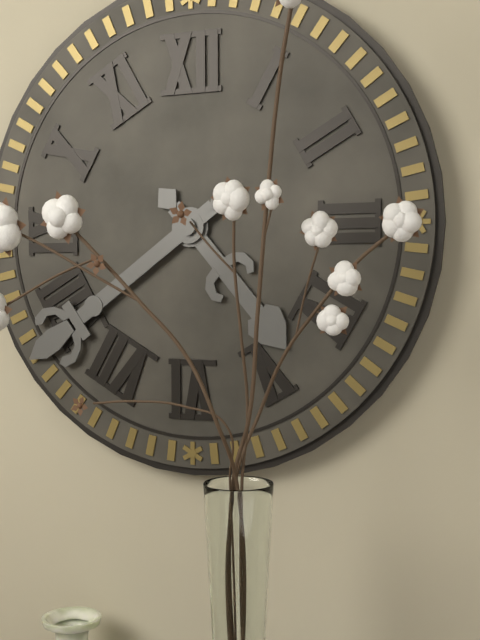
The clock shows **4:39**
